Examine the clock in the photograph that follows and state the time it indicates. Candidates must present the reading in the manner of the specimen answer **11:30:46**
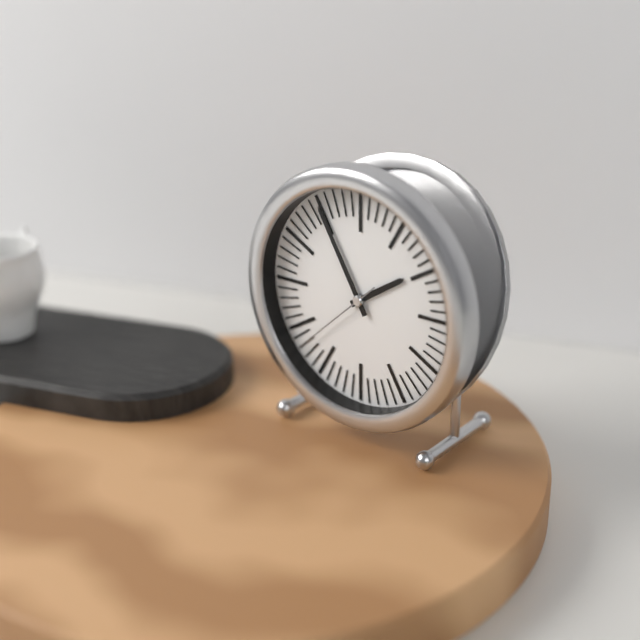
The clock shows **1:55:38**
